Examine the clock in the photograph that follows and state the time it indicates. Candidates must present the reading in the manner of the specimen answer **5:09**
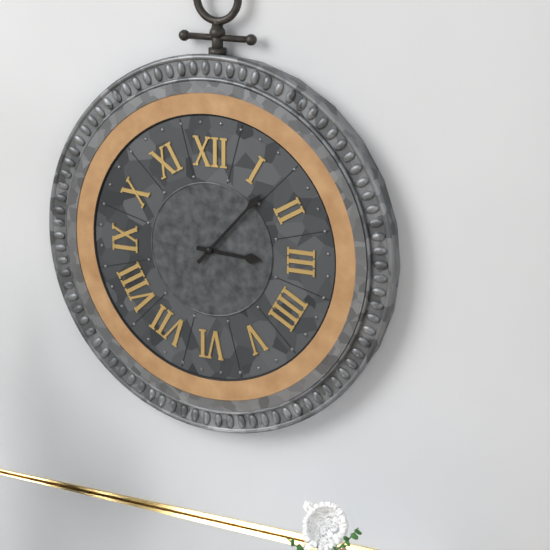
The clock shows **3:07**
